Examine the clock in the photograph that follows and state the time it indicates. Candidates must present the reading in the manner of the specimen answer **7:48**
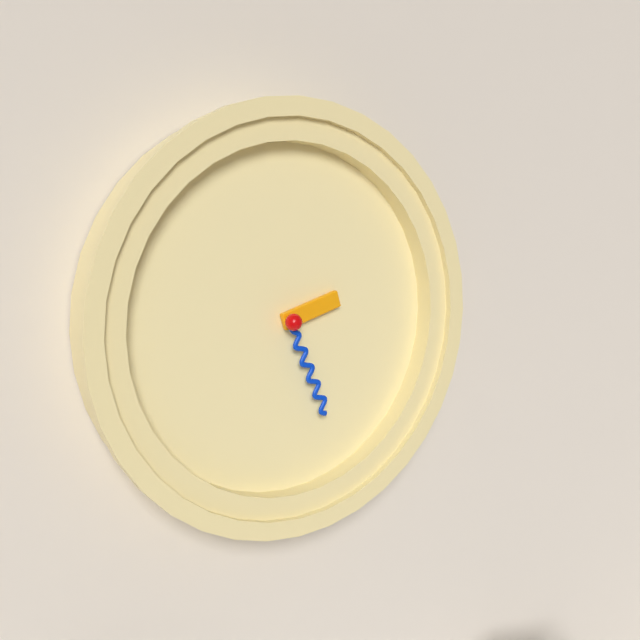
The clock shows **2:26**
